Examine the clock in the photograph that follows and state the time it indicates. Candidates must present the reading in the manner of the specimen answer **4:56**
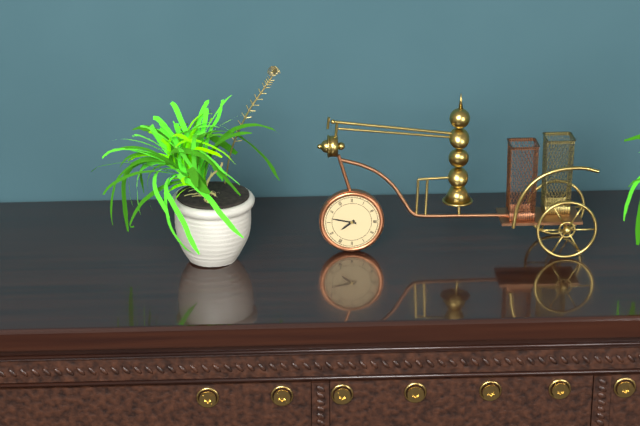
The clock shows **7:47**
